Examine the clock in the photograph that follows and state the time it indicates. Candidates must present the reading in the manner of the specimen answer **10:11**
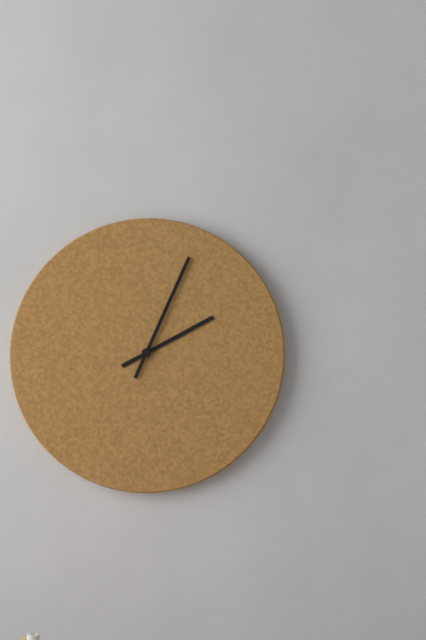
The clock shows **2:04**
